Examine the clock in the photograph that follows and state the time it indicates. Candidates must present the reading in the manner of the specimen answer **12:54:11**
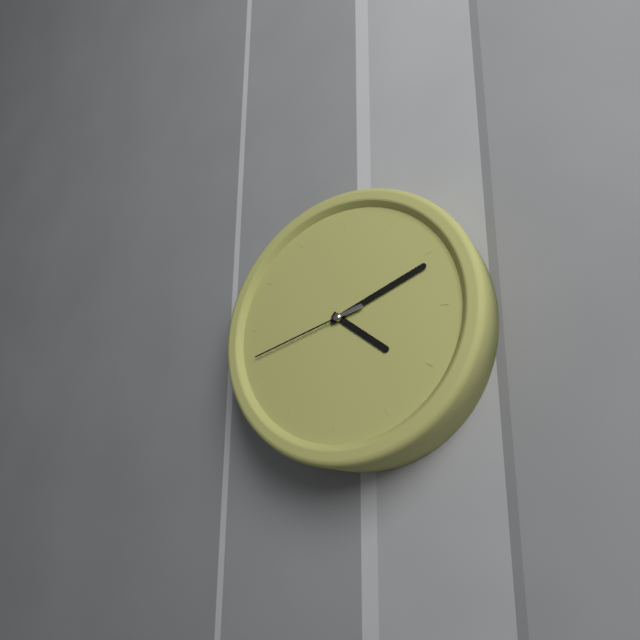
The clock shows **4:11:42**
